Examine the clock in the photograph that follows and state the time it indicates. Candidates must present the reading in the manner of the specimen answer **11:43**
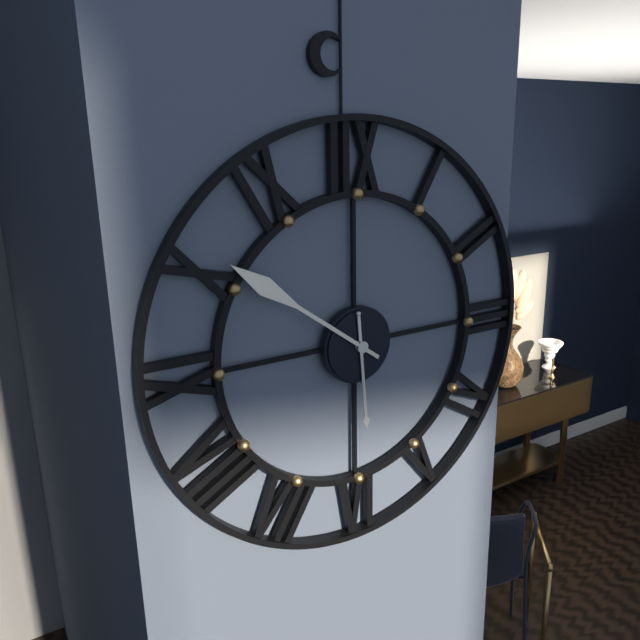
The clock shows **5:51**
